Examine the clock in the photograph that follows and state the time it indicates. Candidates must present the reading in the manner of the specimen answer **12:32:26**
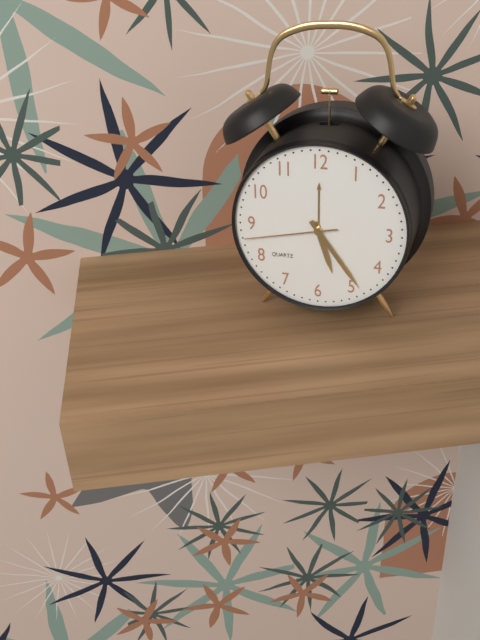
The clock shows **5:24:43**
